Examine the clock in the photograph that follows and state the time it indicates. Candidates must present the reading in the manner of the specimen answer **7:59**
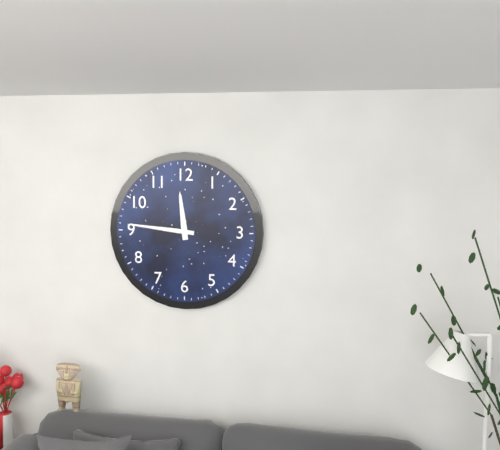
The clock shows **11:46**
